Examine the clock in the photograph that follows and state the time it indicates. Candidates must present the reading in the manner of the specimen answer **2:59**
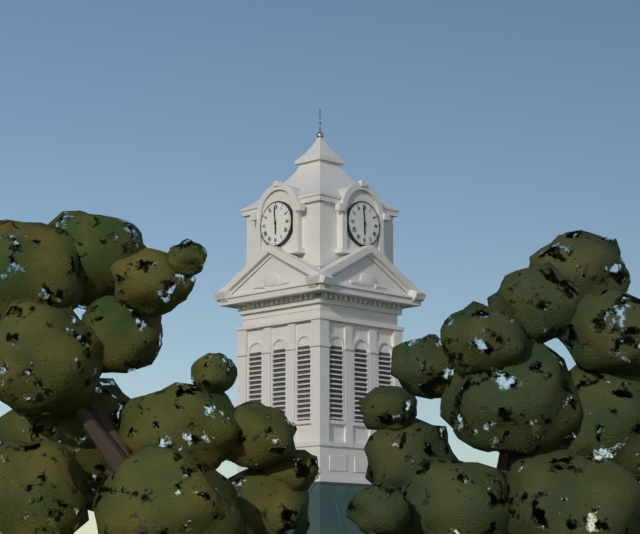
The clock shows **5:59**
